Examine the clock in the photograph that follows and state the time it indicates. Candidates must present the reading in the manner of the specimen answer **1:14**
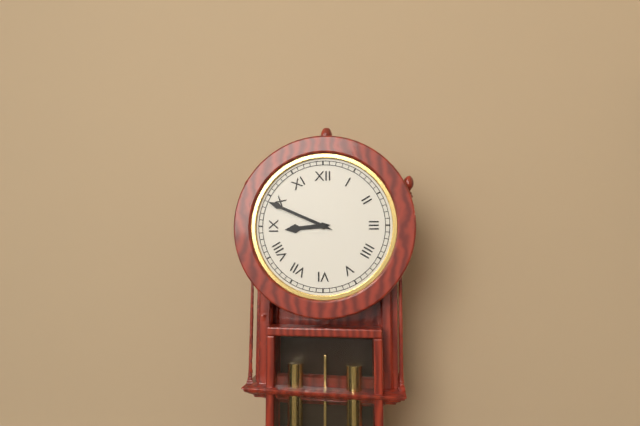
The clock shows **8:49**
